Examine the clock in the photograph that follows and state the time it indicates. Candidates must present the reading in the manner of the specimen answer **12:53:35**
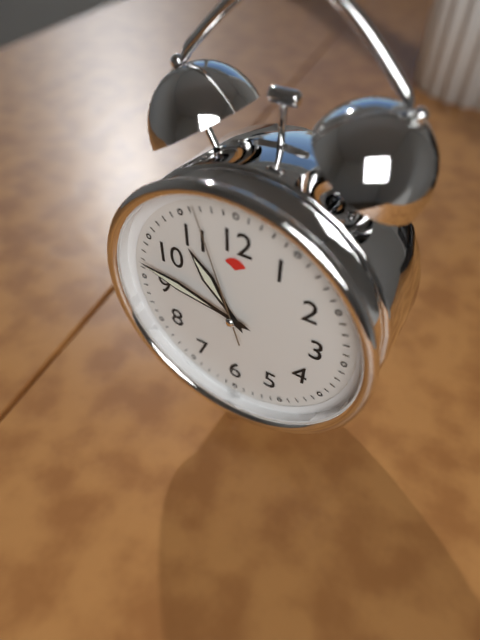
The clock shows **10:47:57**
